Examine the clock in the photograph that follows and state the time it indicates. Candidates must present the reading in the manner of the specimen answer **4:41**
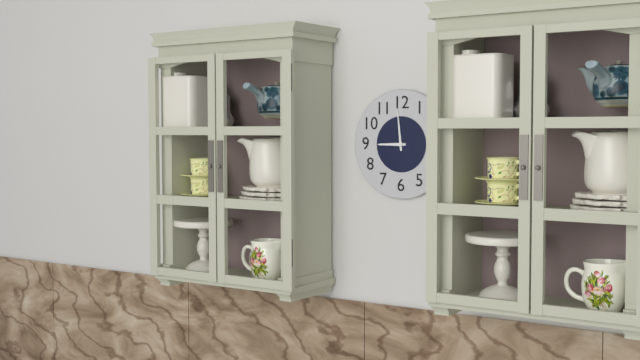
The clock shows **8:59**
